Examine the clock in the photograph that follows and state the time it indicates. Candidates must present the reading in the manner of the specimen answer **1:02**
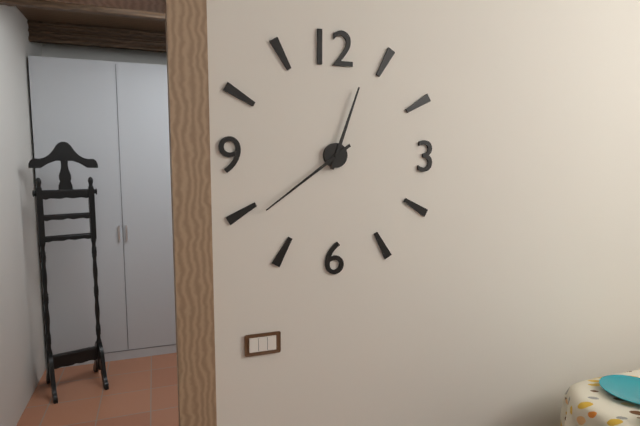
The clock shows **12:39**
